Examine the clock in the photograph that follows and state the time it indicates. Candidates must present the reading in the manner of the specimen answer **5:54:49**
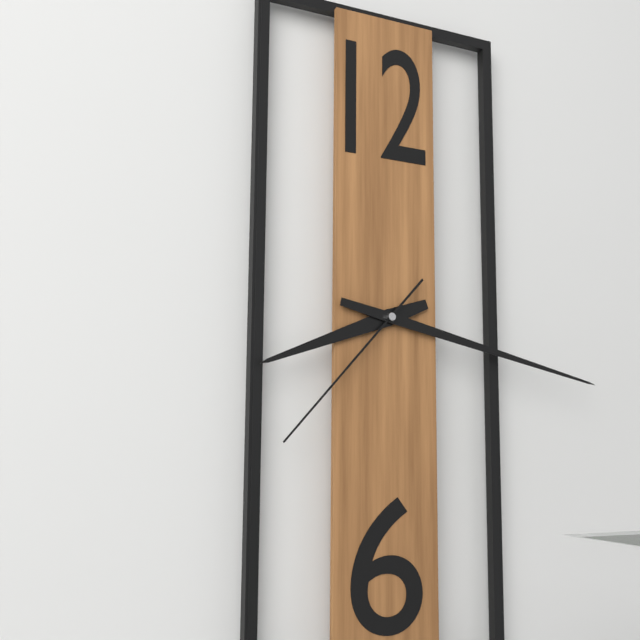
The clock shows **8:17:37**
